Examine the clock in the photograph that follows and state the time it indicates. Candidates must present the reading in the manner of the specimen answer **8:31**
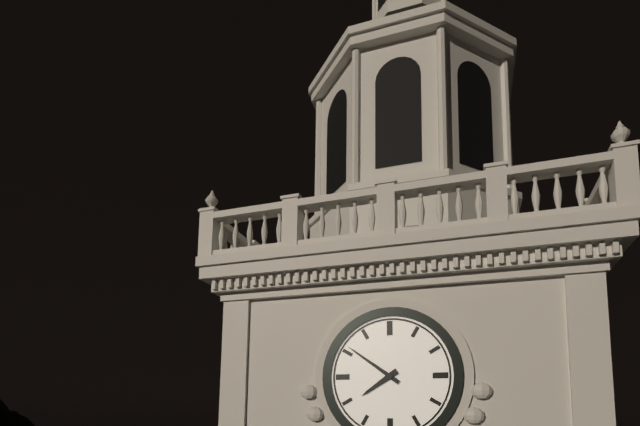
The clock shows **7:51**
